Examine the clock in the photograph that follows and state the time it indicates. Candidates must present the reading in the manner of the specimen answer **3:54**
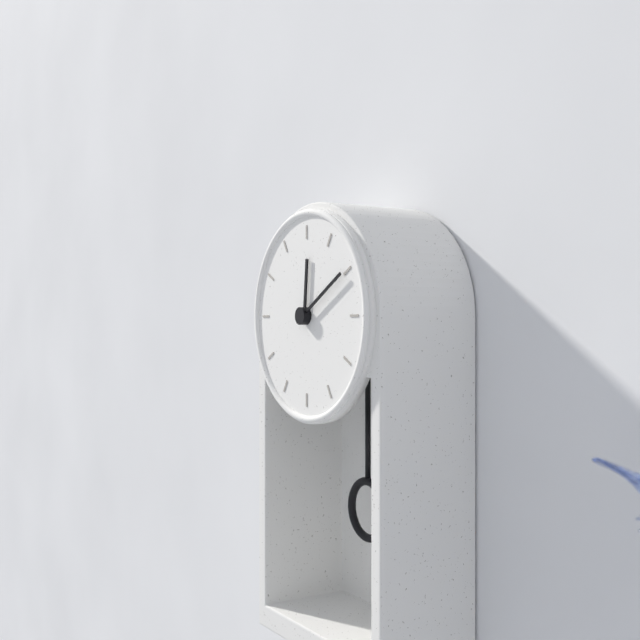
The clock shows **12:10**
